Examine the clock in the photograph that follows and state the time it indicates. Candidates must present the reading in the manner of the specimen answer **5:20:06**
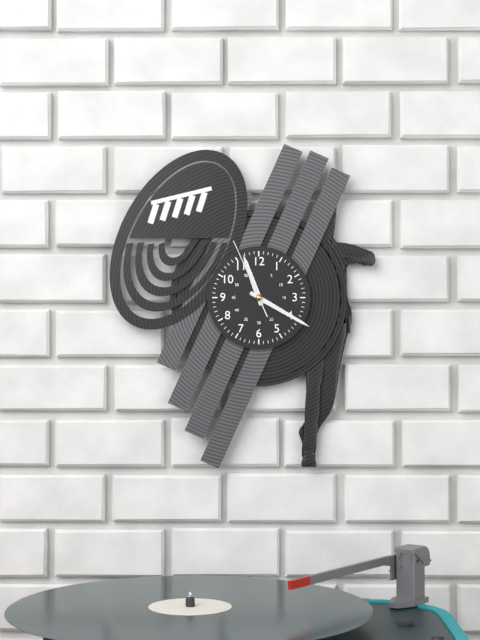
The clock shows **11:20:56**
